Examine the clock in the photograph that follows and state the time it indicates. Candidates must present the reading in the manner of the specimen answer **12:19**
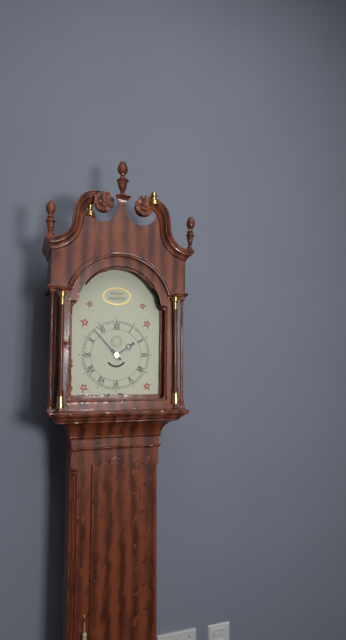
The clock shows **1:53**
